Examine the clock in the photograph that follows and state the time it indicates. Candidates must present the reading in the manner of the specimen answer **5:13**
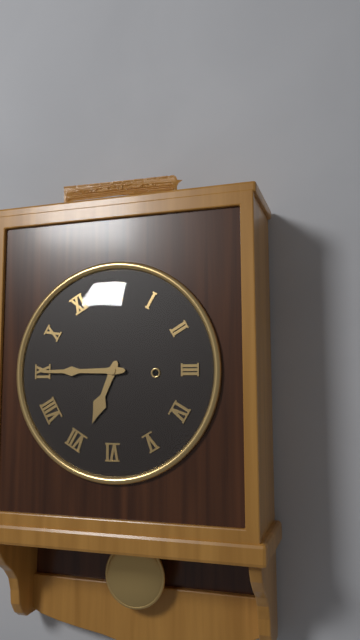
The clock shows **6:45**
